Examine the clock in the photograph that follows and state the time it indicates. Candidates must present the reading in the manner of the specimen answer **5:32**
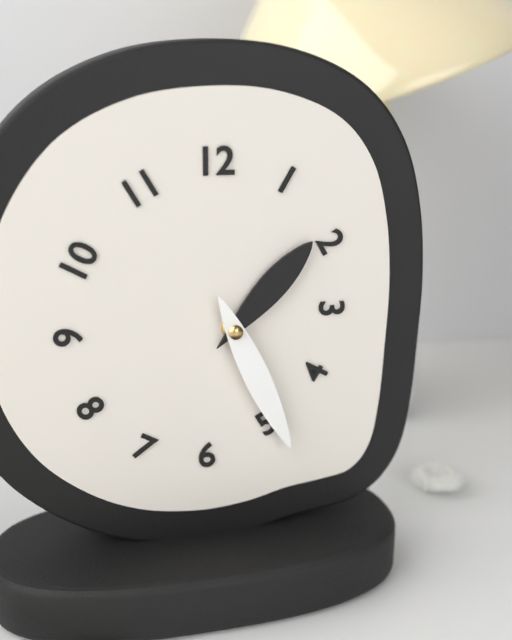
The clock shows **1:26**
